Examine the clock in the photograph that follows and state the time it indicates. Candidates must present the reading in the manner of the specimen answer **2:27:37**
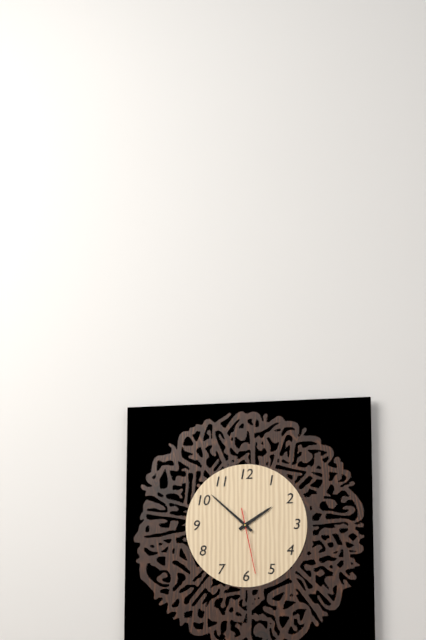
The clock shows **1:52:28**
